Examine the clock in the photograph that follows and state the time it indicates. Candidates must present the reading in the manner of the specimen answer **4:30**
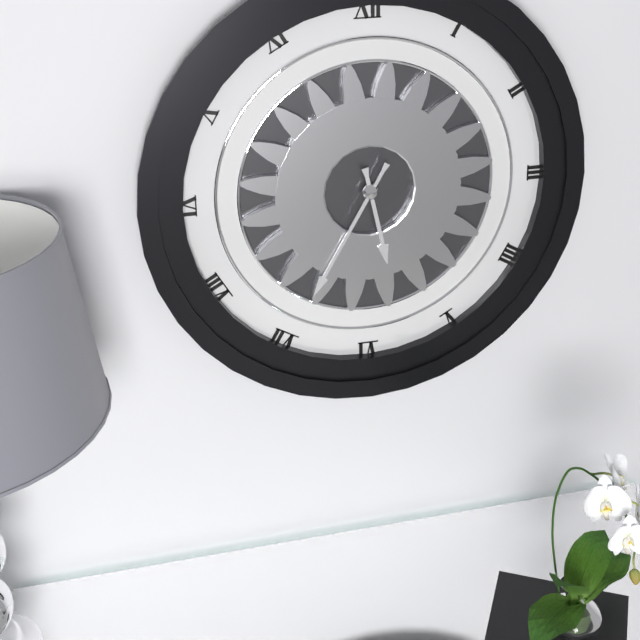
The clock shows **5:35**
